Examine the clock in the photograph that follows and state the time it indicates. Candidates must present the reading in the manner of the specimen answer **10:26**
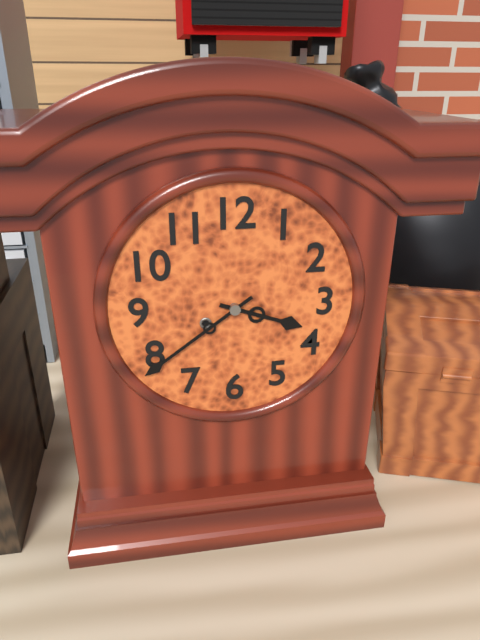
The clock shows **3:39**
